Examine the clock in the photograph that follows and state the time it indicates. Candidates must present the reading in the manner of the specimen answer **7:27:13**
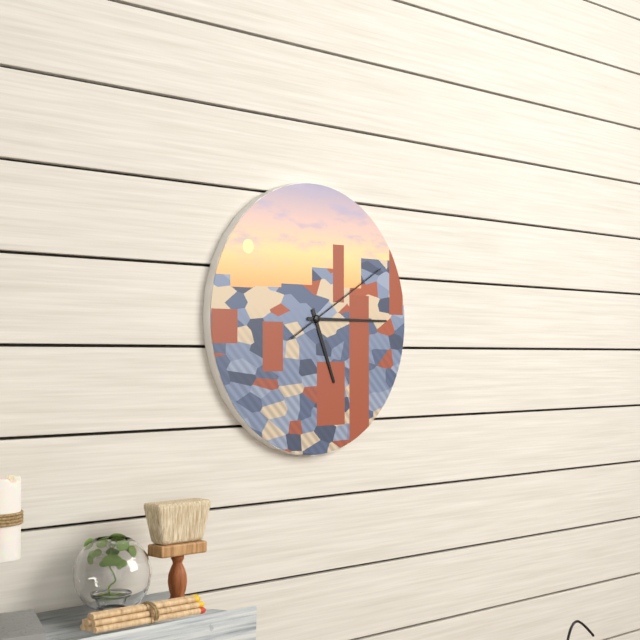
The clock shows **5:15:10**
